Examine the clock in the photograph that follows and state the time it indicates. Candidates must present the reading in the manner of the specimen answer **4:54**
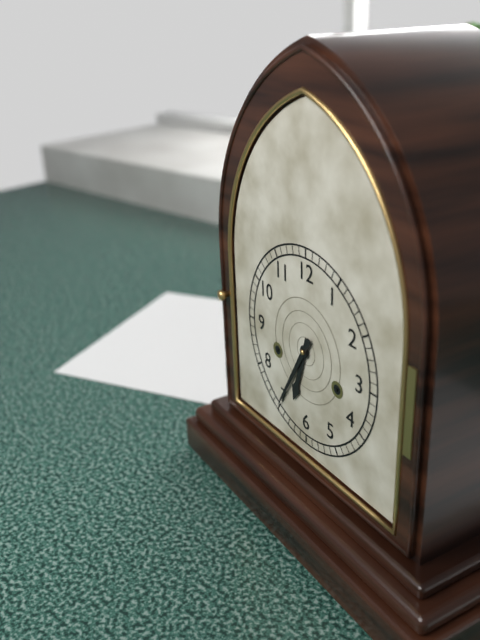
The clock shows **6:35**
